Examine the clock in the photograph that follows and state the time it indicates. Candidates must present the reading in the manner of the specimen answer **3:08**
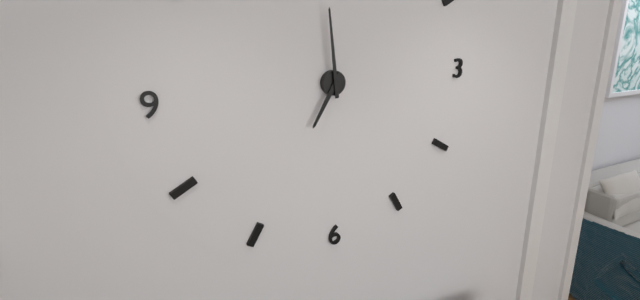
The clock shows **6:59**
